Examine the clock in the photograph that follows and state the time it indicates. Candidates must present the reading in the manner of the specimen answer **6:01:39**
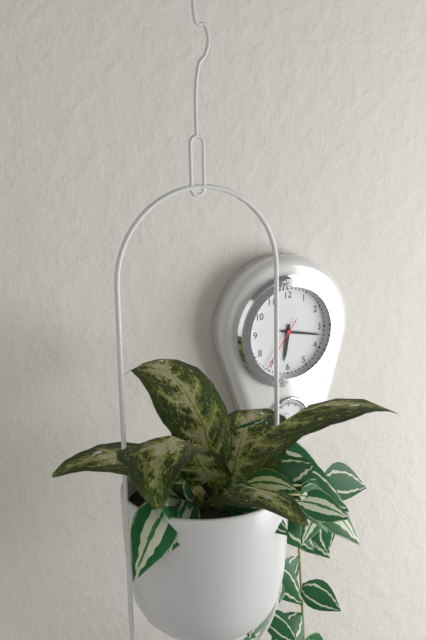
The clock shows **6:17:36**
